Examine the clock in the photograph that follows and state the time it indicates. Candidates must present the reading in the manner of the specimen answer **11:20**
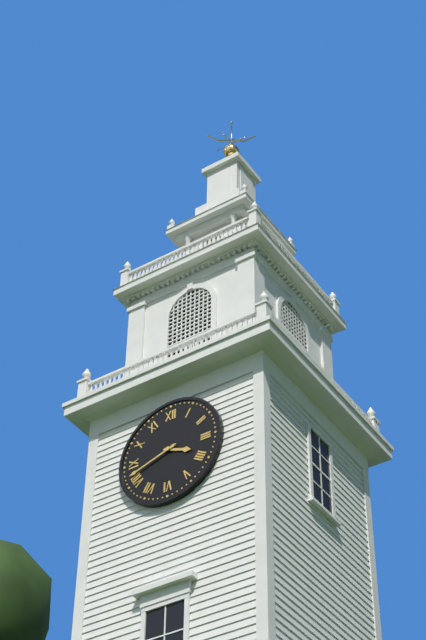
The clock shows **3:42**
